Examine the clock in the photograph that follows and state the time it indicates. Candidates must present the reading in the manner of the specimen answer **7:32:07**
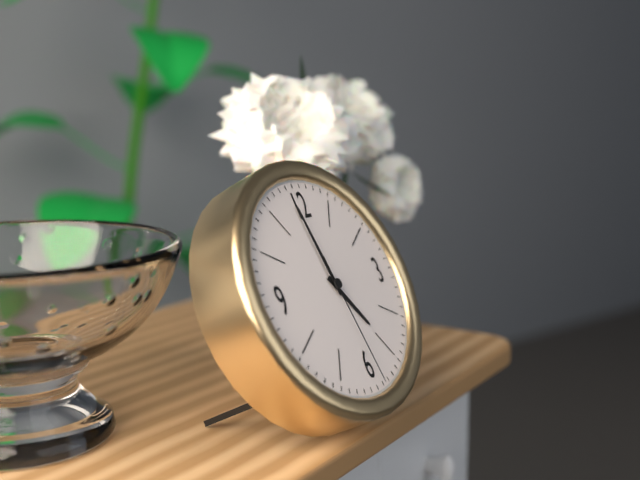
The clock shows **4:59:29**
